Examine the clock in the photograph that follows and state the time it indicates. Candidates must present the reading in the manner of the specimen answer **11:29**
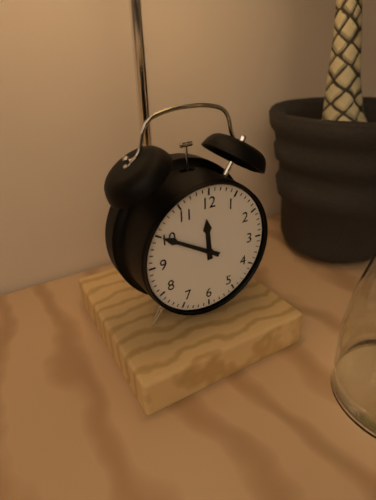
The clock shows **11:50**
